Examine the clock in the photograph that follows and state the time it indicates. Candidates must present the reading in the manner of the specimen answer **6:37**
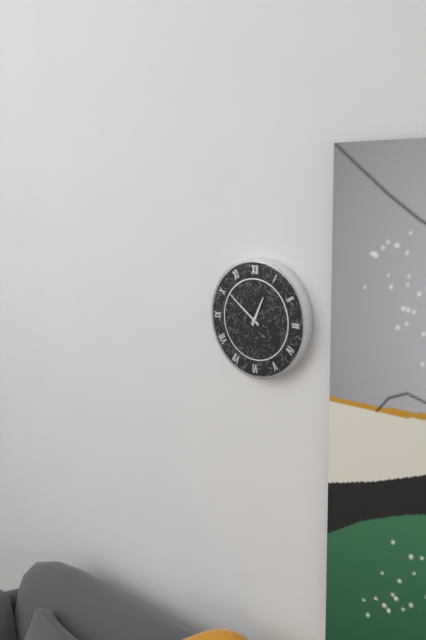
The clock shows **12:51**
